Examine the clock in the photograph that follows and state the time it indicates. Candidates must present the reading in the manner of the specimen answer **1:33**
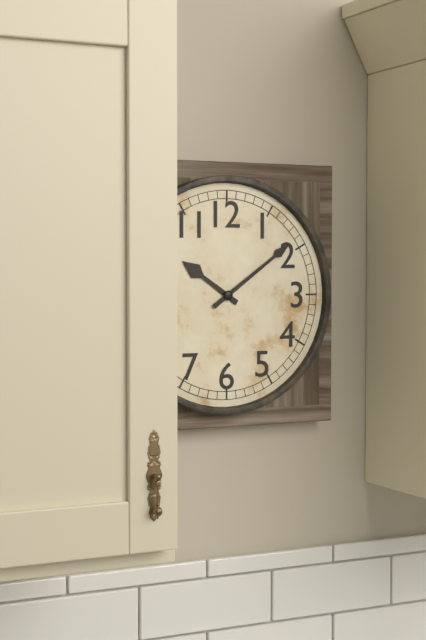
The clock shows **10:09**
